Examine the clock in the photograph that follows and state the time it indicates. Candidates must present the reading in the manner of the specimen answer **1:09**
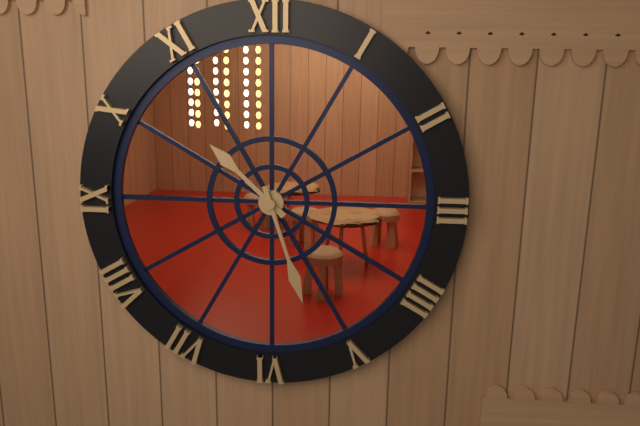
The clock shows **10:27**
